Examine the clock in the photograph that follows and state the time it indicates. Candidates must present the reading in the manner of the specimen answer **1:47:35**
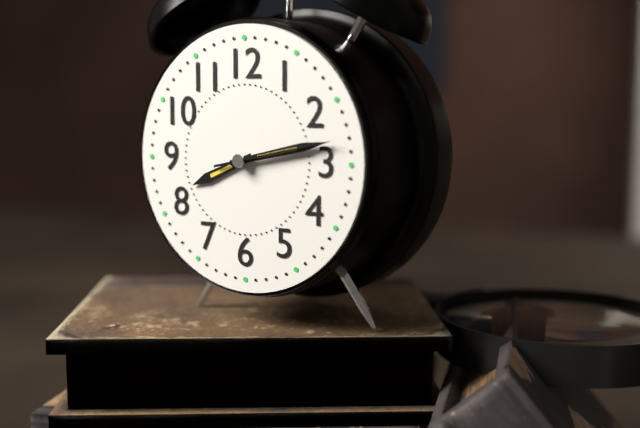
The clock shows **8:13:13**
